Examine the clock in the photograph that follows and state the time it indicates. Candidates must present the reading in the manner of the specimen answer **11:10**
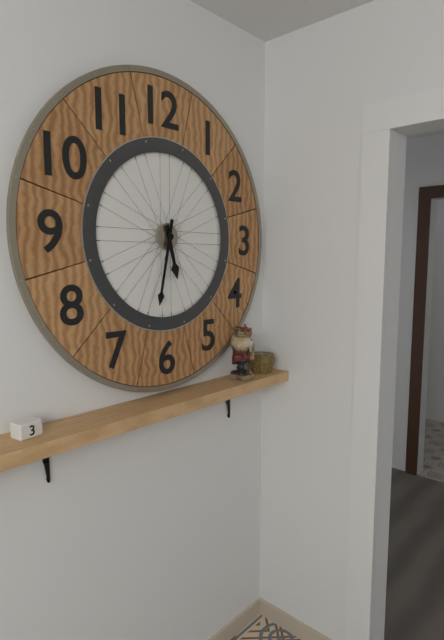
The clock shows **5:32**
